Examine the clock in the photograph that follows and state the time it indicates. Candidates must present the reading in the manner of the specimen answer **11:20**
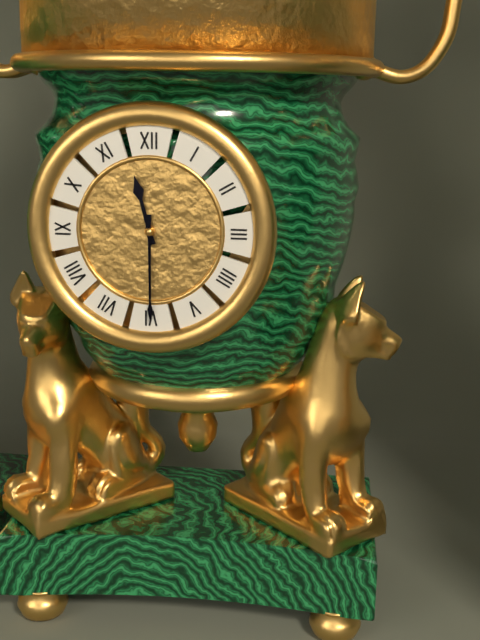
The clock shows **11:30**
